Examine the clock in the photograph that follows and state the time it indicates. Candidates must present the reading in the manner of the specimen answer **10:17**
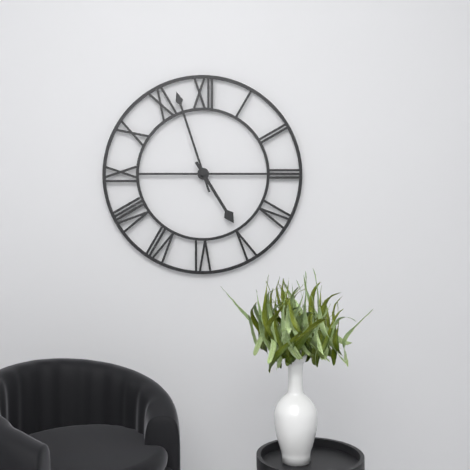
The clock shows **4:57**
